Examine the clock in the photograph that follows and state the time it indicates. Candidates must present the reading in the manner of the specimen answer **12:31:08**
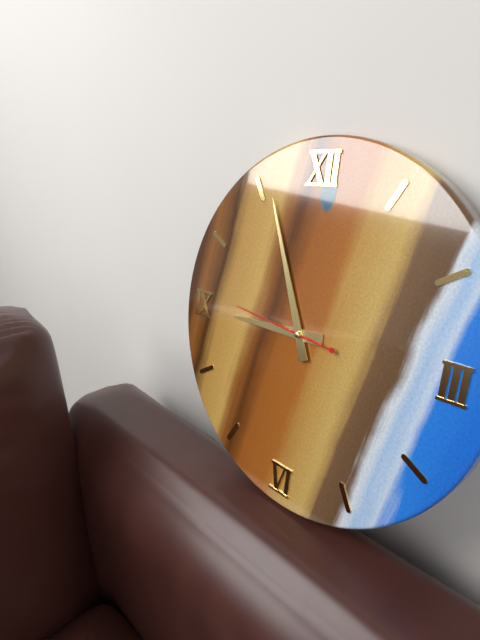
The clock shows **8:56:46**
